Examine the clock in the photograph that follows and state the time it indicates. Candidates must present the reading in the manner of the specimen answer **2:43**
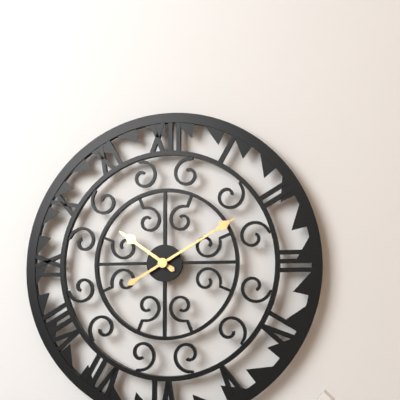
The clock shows **10:10**
